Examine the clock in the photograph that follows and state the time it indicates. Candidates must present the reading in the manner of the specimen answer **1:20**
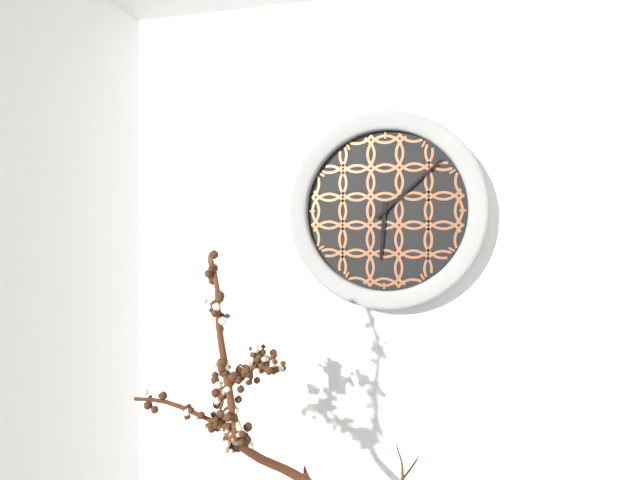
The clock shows **6:08**
